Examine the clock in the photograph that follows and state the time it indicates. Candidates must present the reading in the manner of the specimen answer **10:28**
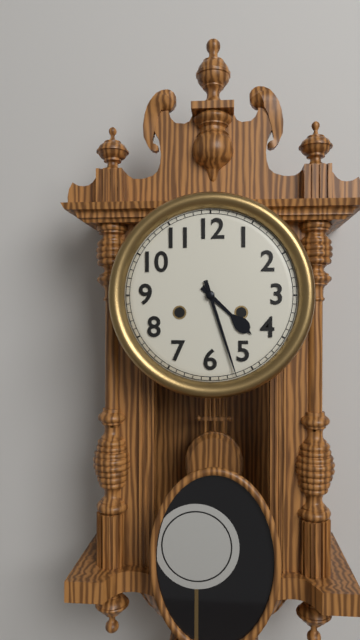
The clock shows **4:27**
